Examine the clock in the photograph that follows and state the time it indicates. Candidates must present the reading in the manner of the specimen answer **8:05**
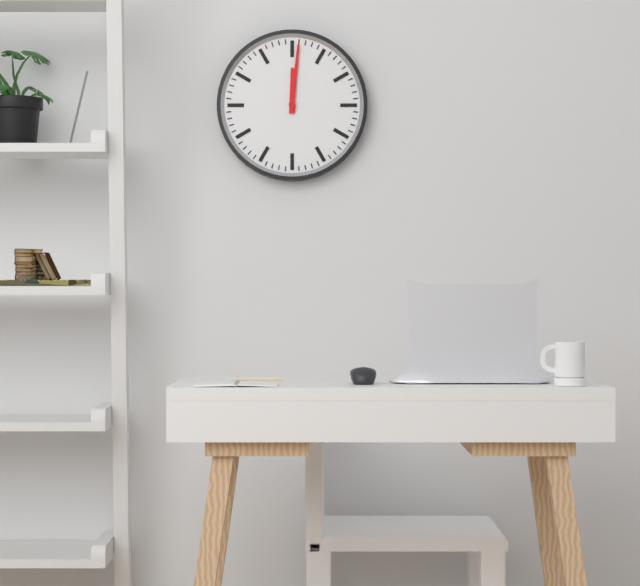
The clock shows **12:01**
